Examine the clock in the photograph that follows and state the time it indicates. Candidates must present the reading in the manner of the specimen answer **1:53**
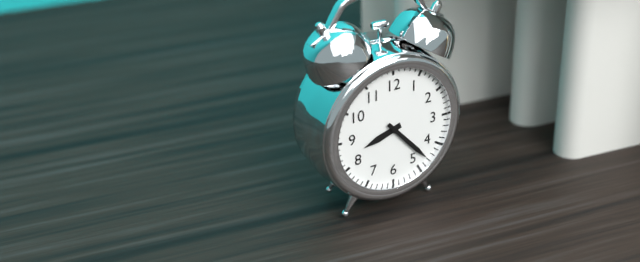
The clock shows **8:23**
